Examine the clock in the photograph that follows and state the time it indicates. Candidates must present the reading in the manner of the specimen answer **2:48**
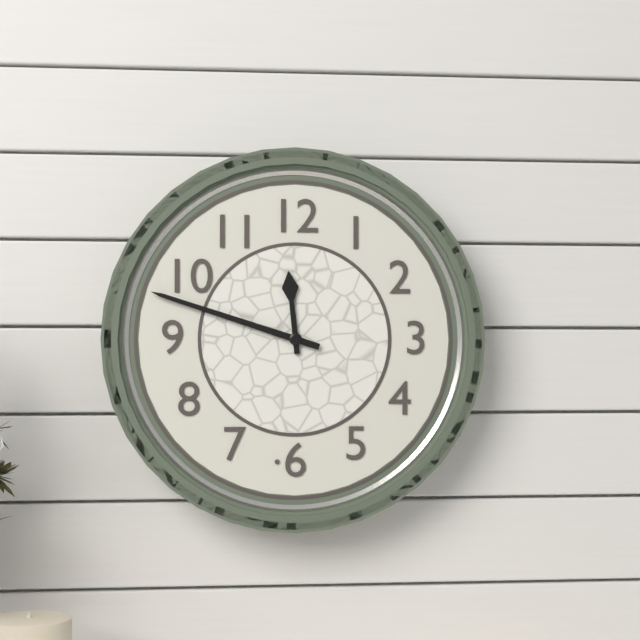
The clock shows **11:48**
